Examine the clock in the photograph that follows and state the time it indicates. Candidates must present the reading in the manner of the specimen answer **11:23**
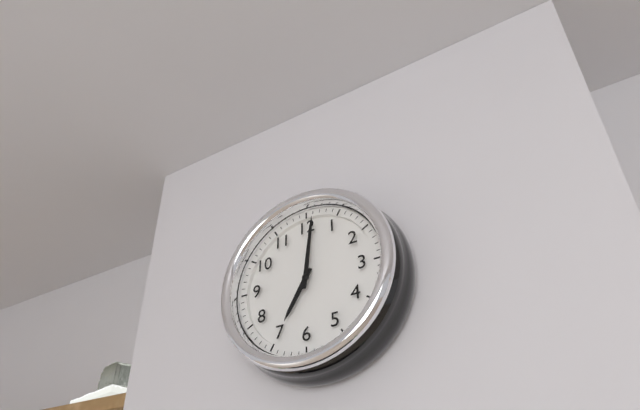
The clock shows **7:01**
